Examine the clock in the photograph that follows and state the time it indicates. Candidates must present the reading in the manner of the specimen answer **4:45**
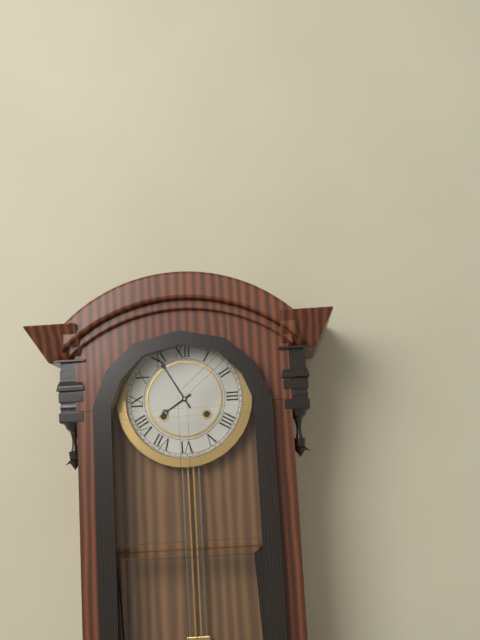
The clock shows **7:55**
